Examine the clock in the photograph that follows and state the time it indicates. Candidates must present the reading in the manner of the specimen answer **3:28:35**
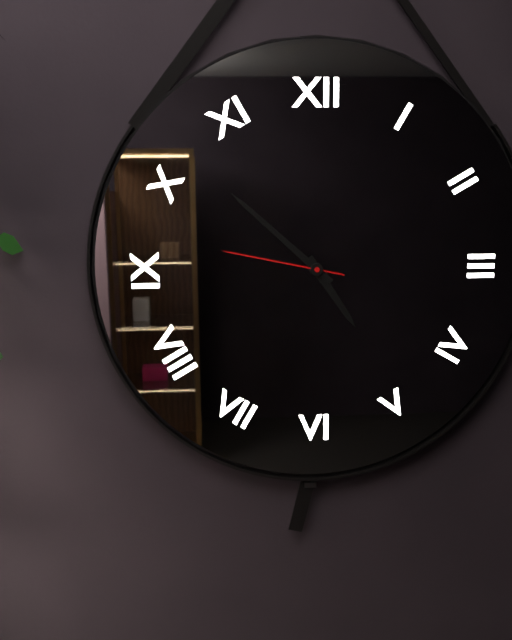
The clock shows **4:52:47**
